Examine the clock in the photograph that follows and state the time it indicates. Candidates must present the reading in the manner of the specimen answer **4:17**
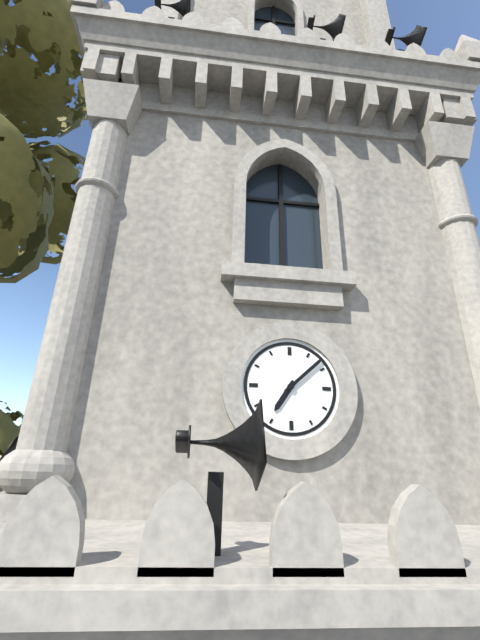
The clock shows **7:08**
